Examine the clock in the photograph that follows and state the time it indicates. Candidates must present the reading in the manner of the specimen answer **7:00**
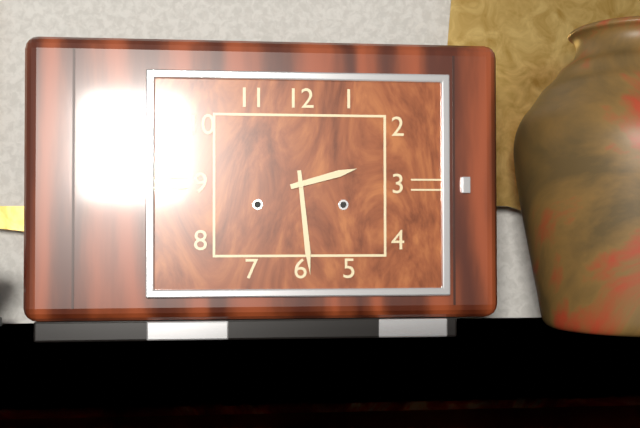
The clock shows **2:29**
